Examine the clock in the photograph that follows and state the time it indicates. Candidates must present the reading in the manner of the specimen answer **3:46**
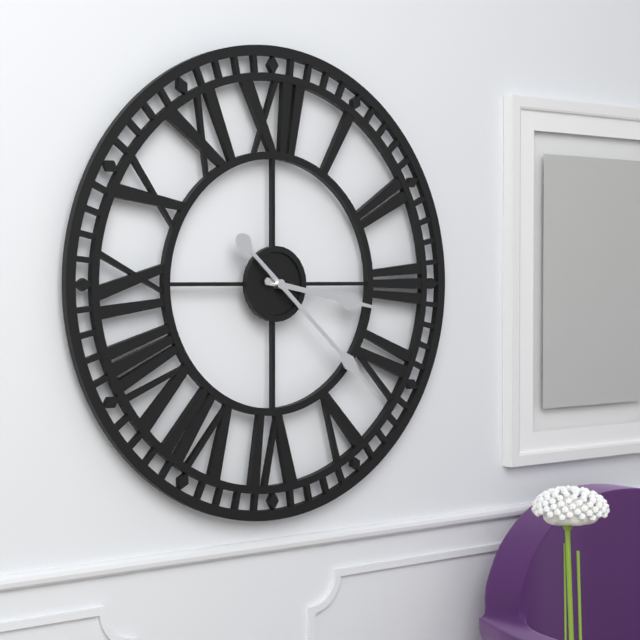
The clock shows **3:22**
